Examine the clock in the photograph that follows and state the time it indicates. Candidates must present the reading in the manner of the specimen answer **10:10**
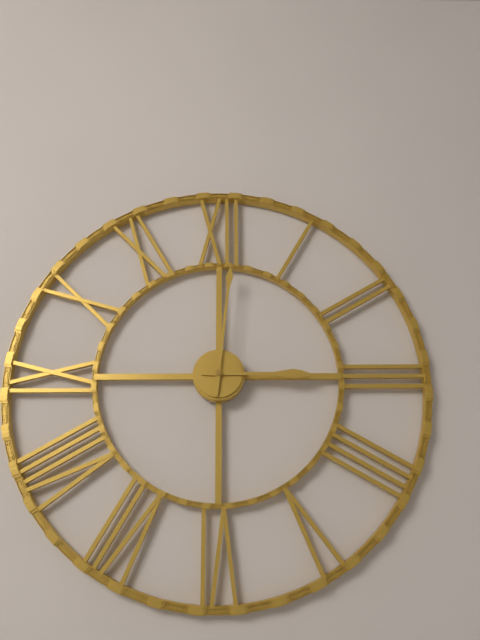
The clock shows **3:01**
